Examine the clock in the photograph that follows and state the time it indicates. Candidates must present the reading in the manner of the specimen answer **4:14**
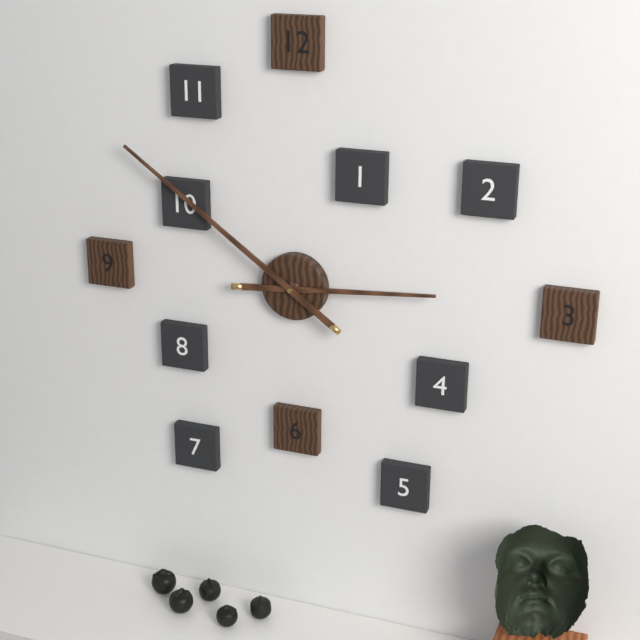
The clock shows **2:51**
